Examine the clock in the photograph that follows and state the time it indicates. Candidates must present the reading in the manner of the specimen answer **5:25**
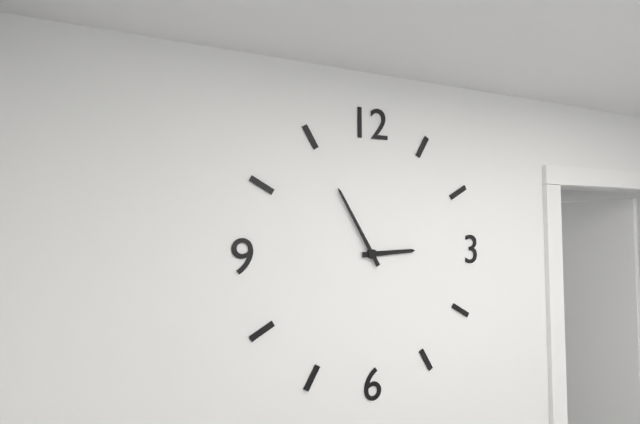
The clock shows **2:55**
